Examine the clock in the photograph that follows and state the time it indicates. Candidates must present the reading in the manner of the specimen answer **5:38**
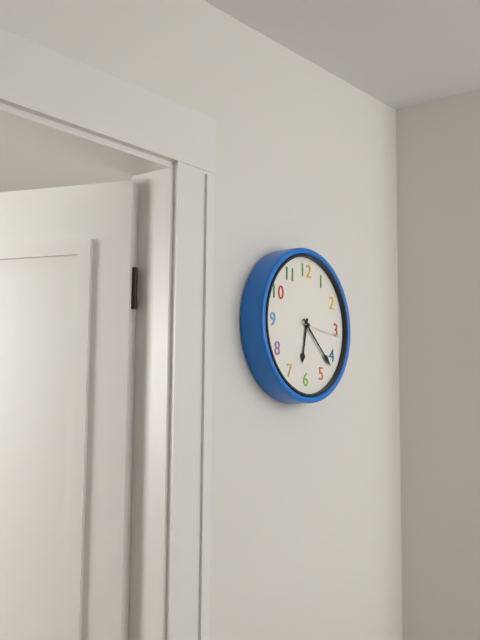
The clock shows **6:22**
